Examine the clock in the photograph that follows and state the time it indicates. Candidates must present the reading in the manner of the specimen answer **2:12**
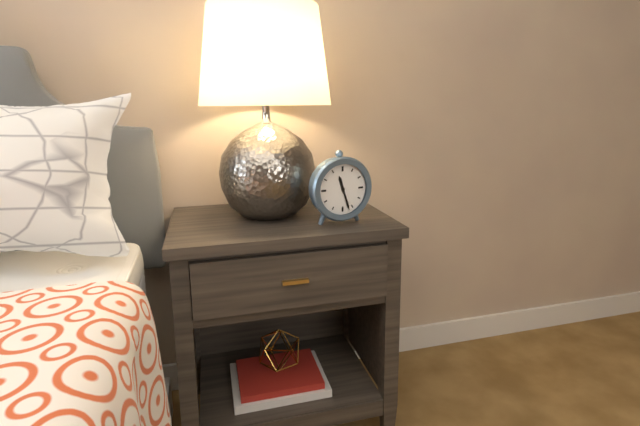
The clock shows **11:27**
